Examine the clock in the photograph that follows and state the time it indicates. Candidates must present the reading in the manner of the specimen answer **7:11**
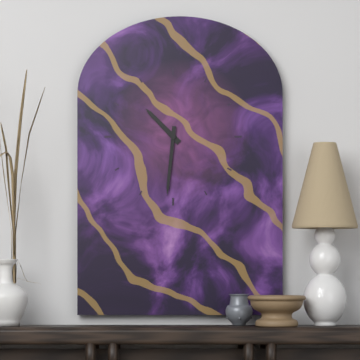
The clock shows **10:31**
